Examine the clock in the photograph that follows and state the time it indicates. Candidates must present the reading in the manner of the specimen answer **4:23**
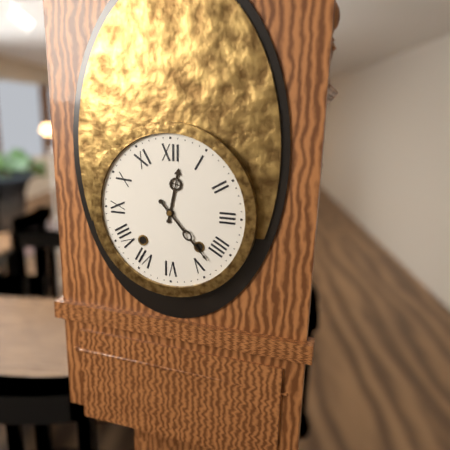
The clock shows **12:23**
